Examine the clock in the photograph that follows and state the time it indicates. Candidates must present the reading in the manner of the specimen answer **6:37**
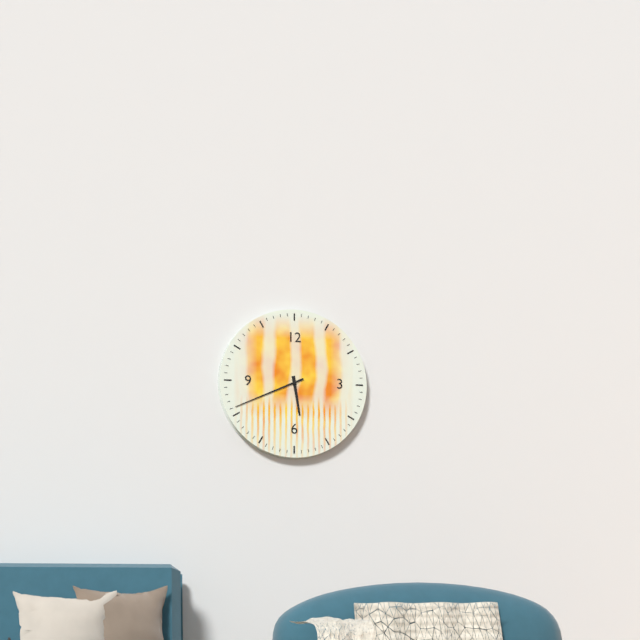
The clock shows **5:41**
